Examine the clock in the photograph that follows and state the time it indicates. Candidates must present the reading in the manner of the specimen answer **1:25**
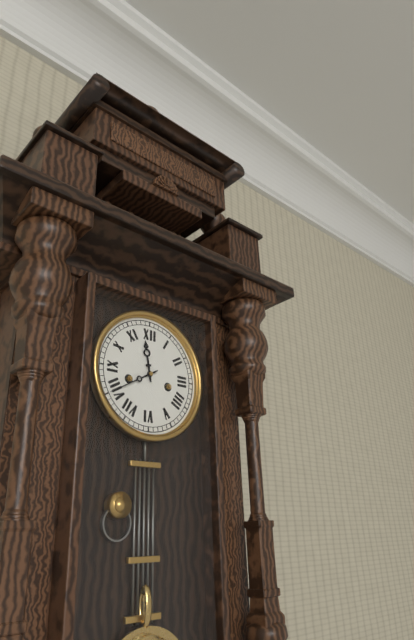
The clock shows **11:40**
